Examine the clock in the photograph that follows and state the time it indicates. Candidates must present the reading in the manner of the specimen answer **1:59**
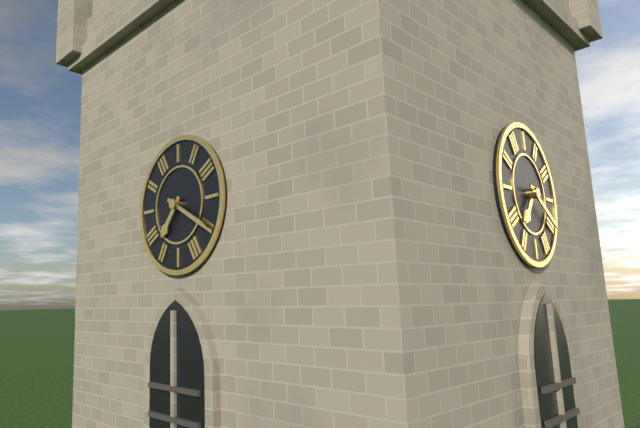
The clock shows **7:20**
